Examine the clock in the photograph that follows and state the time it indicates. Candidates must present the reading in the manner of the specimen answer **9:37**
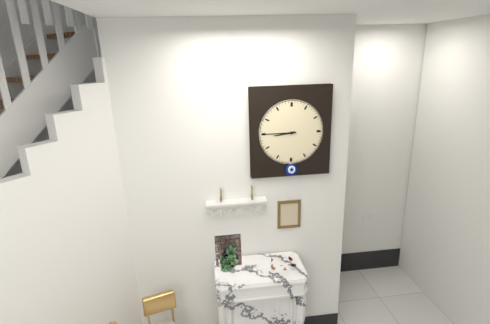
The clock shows **8:45**
